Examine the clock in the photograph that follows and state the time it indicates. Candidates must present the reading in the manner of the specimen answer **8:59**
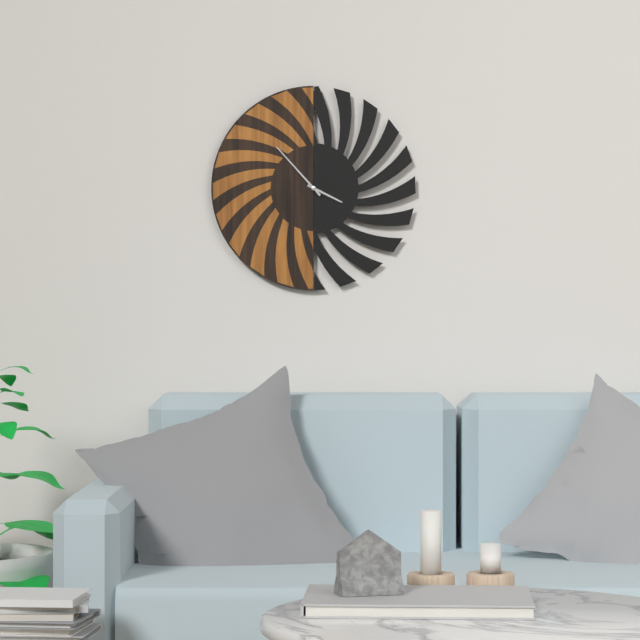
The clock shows **3:53**
